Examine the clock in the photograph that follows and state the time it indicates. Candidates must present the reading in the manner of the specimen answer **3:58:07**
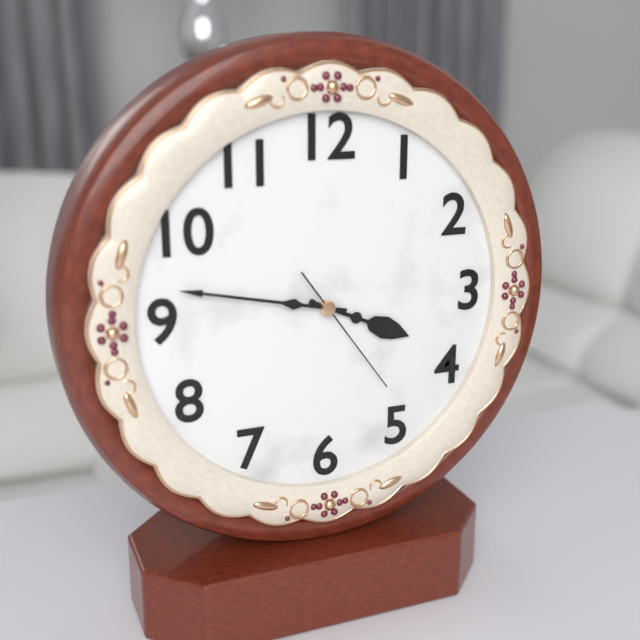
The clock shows **3:47:24**
